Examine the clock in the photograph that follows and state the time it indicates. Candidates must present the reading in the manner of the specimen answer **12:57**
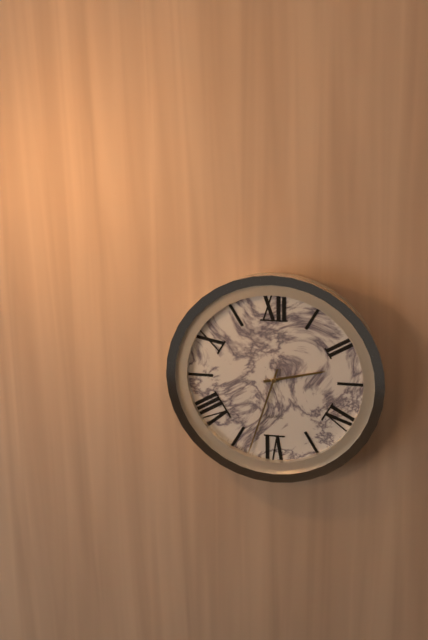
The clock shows **2:33**
